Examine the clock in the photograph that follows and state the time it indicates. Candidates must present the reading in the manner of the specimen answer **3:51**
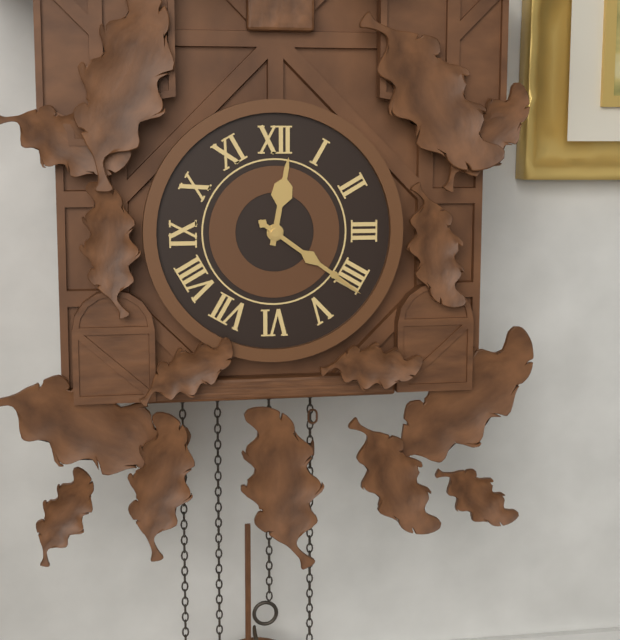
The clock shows **12:21**
